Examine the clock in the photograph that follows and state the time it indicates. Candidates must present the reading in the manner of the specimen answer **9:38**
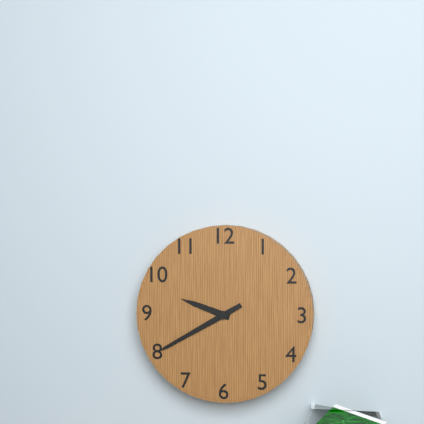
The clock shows **9:40**
